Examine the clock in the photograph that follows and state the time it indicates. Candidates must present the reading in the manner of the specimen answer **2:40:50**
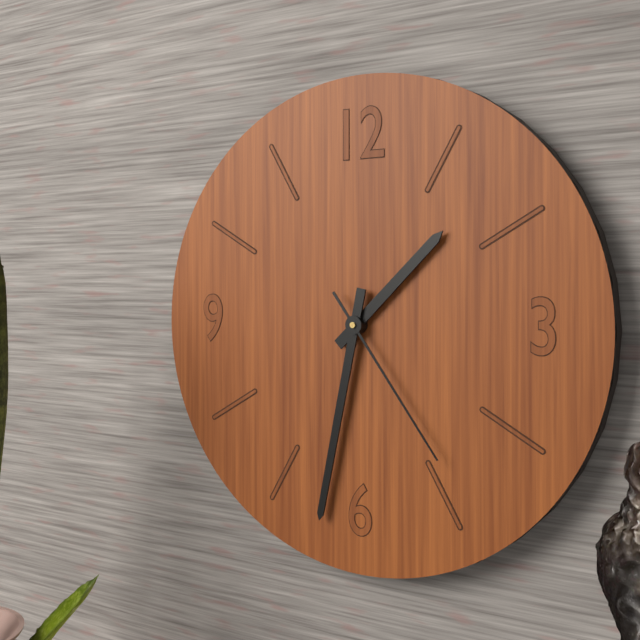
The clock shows **1:32:24**
